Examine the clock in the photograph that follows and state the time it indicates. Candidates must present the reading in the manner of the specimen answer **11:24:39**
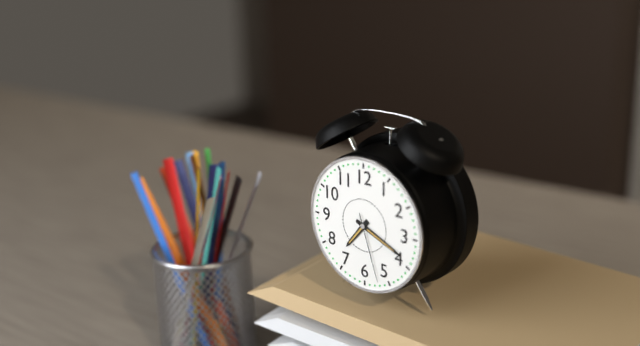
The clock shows **7:19:27**
